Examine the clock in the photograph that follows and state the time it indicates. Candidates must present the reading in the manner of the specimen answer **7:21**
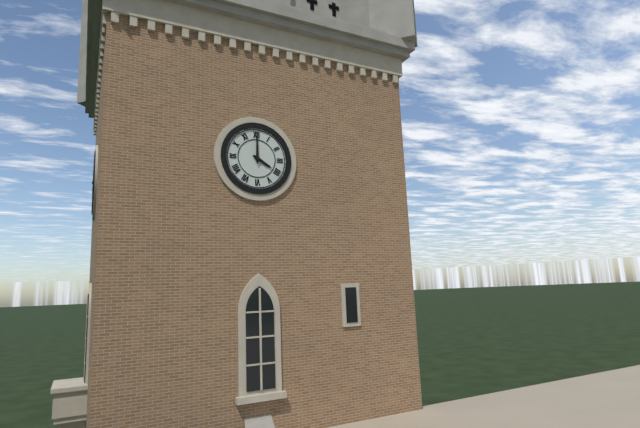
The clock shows **4:00**
